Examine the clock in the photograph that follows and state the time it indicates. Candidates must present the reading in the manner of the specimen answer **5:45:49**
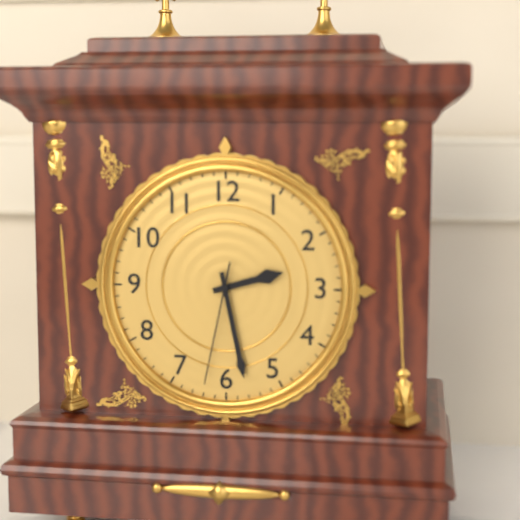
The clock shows **2:28:32**
